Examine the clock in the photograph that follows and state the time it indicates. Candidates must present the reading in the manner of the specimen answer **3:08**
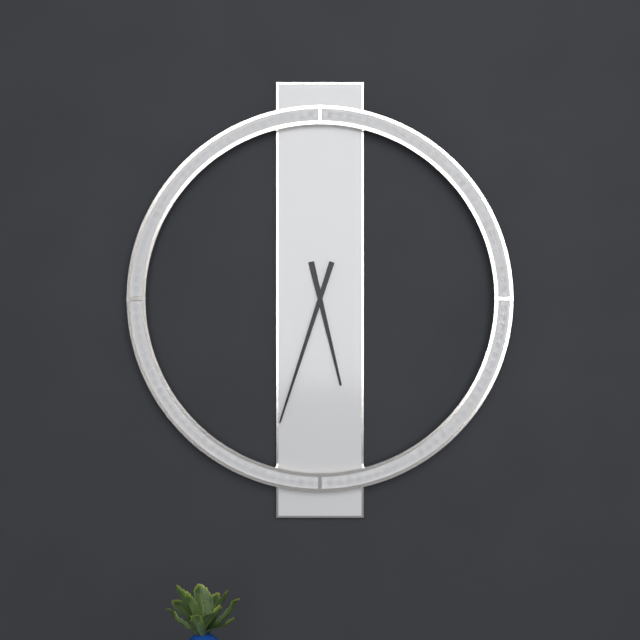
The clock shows **5:33**
